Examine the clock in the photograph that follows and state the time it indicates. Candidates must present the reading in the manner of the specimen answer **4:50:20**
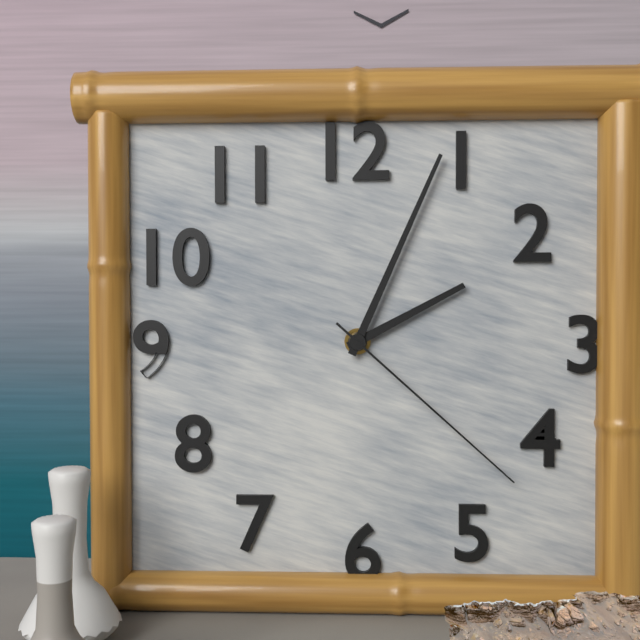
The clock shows **2:04:22**
